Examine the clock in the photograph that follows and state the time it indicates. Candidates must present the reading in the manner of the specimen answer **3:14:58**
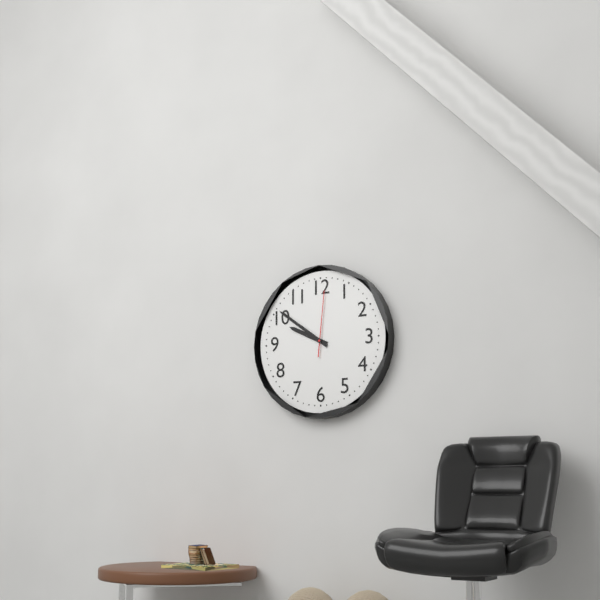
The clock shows **9:51:01**
